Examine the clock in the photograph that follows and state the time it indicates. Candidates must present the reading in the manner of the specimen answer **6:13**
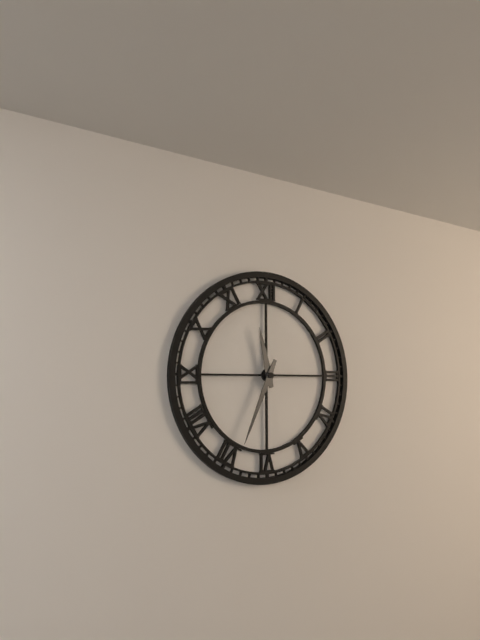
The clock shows **11:34**
